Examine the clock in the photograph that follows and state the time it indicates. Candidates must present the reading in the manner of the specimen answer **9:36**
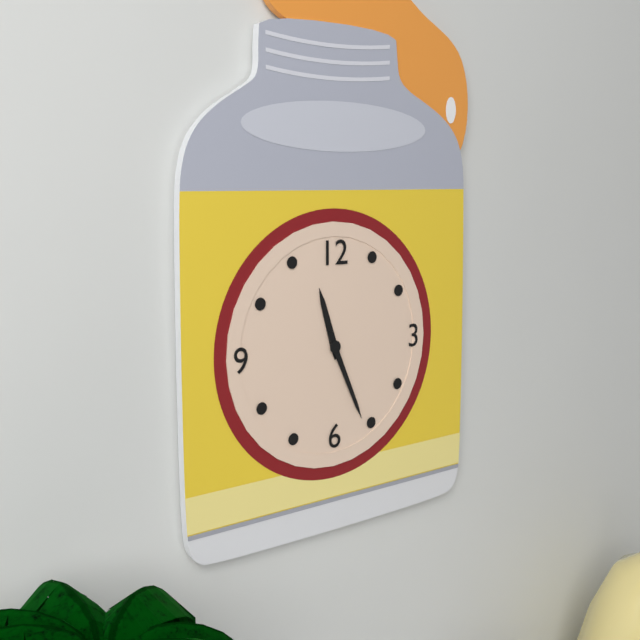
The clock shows **11:26**
